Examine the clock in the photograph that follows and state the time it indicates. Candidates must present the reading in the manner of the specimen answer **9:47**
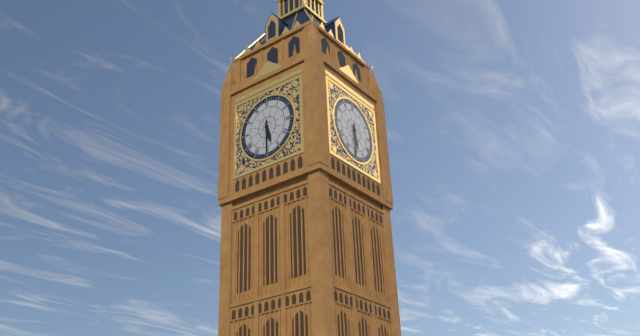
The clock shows **5:30**
